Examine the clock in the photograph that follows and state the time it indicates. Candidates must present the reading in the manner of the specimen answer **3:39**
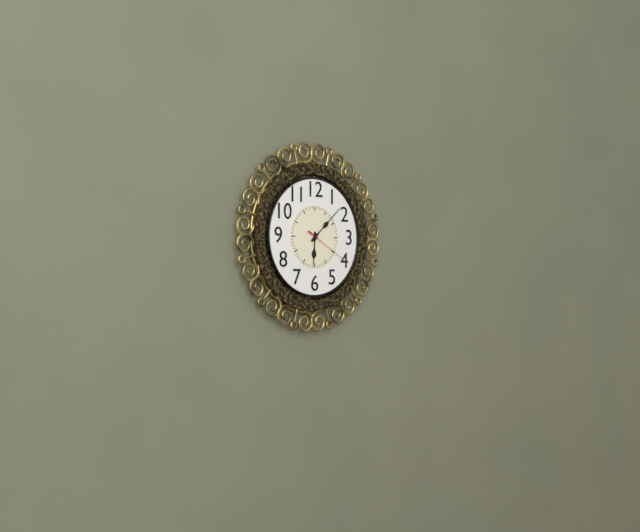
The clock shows **6:08**
